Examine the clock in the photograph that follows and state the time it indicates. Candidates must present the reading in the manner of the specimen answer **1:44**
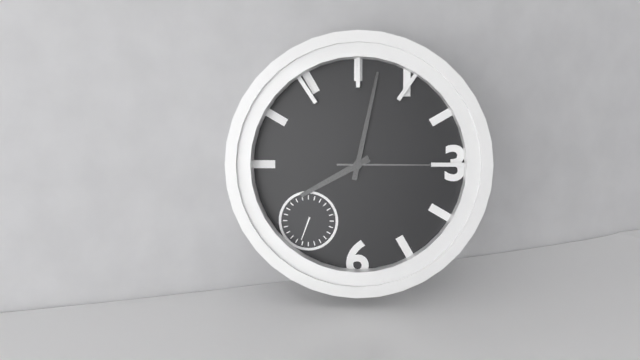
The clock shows **8:02**
